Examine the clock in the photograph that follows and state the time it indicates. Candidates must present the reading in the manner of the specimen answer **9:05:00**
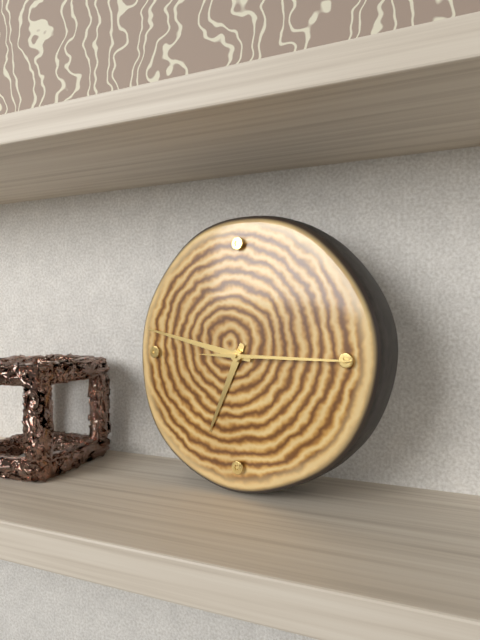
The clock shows **6:47:15**
